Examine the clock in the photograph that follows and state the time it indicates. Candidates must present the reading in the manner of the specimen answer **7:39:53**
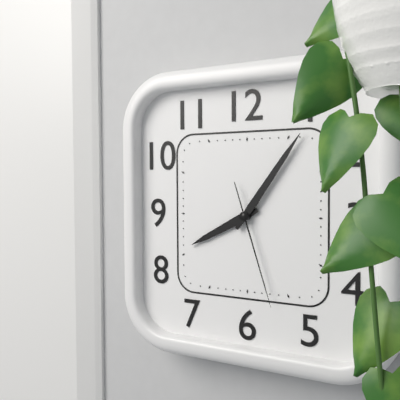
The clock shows **8:06:27**
